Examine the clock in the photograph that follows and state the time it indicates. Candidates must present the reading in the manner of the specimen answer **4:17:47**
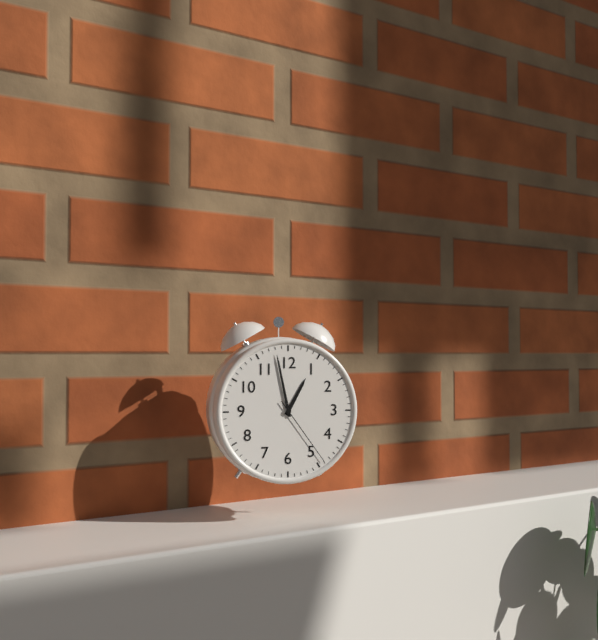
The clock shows **12:58:24**
